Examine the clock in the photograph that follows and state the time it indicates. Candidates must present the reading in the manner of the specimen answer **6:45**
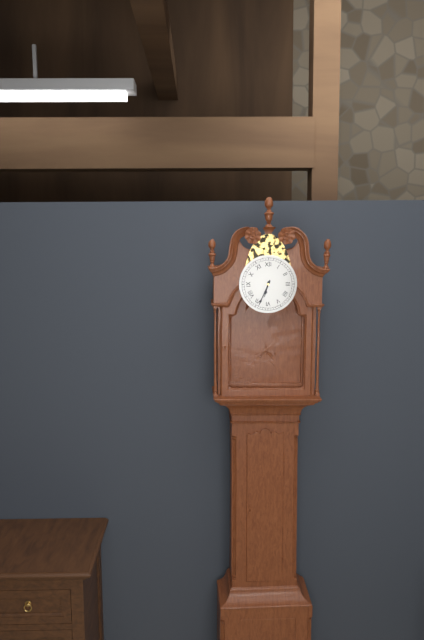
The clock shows **6:34**
